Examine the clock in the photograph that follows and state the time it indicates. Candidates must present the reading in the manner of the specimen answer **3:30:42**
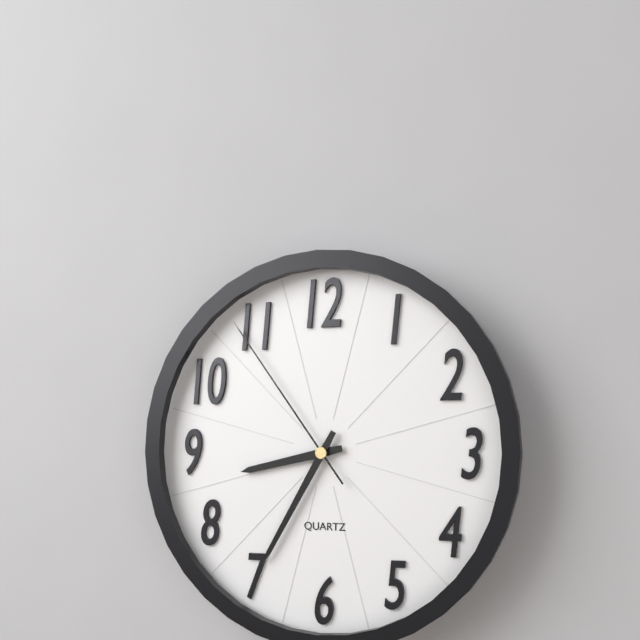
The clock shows **8:35:54**
